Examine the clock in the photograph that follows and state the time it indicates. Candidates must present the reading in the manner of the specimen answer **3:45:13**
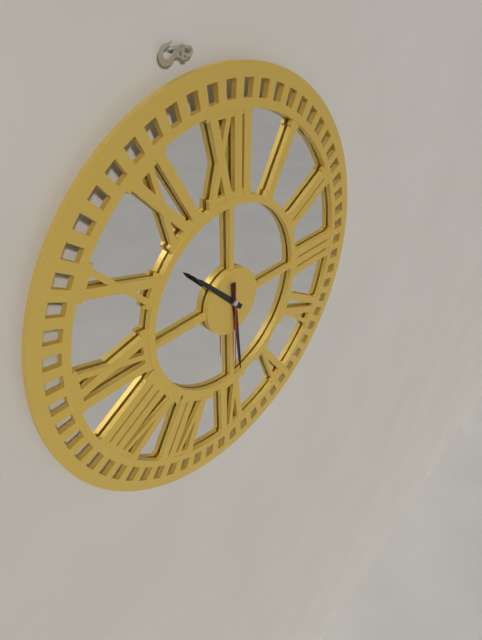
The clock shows **10:29:30**
